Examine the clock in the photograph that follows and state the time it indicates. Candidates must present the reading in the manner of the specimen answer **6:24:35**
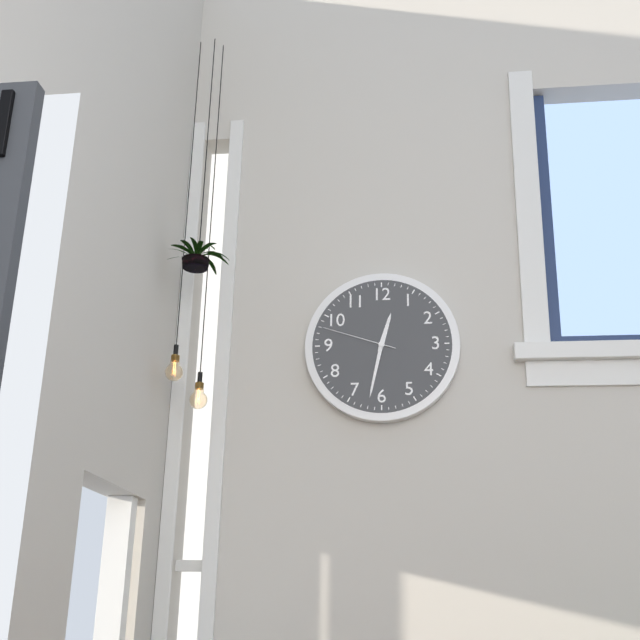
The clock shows **12:32:48**
